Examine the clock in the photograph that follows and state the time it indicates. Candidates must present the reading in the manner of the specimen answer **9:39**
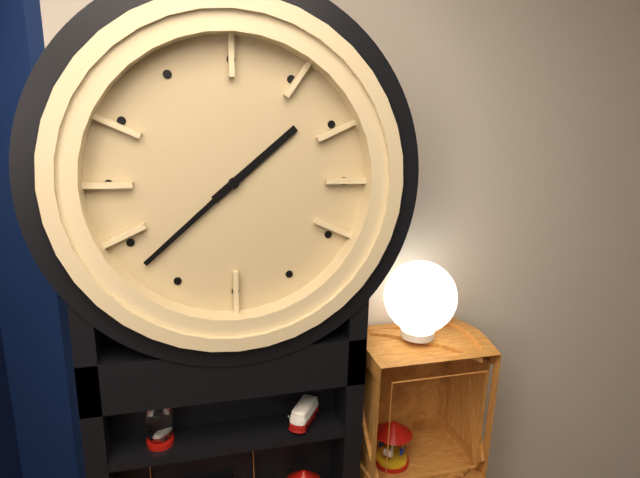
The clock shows **1:38**
